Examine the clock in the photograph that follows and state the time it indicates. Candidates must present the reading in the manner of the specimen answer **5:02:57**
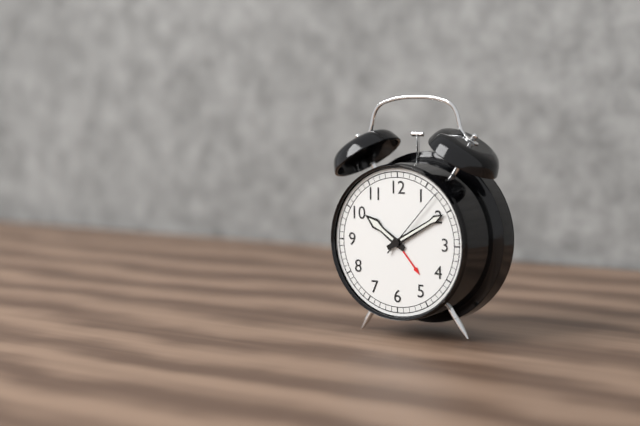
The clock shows **10:10:07**
